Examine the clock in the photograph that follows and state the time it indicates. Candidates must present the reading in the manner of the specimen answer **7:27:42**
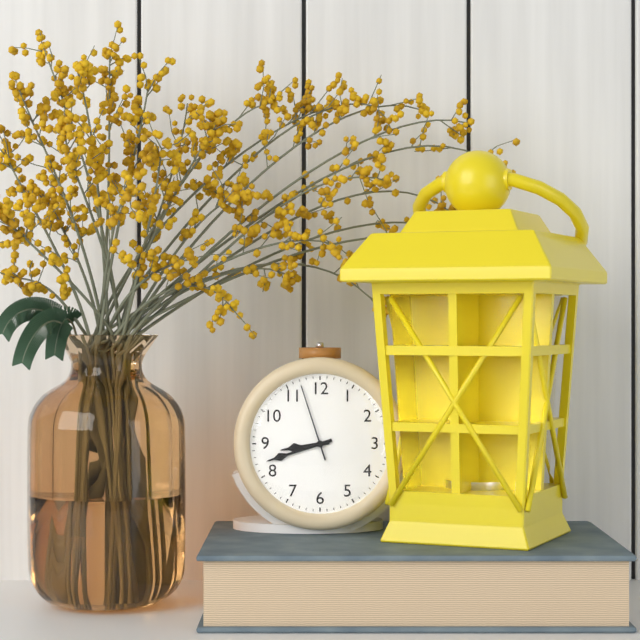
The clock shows **8:42:57**
